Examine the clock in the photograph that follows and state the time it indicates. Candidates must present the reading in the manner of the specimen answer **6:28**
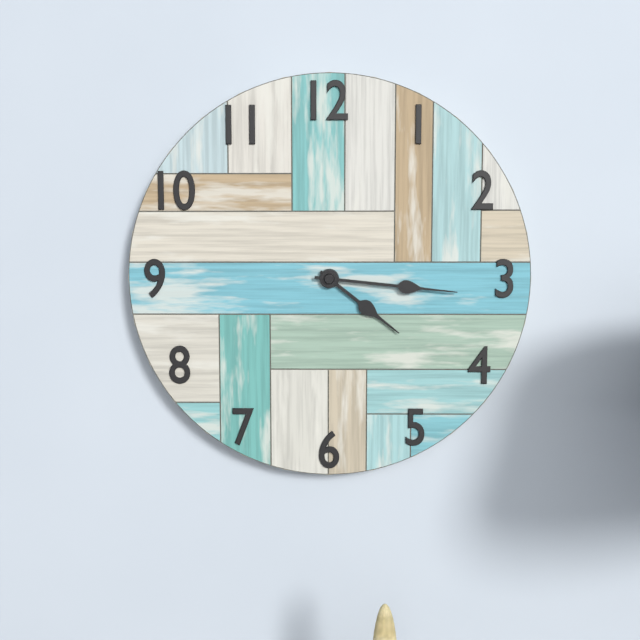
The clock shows **4:16**
